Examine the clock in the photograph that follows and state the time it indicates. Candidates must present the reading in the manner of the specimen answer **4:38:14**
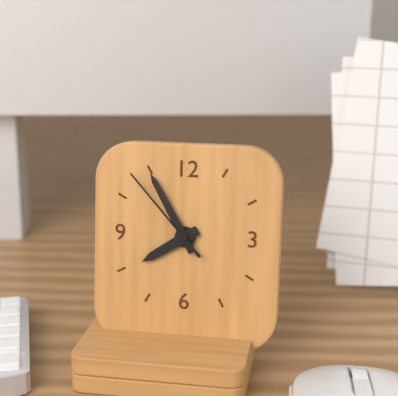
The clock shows **7:55:53**
